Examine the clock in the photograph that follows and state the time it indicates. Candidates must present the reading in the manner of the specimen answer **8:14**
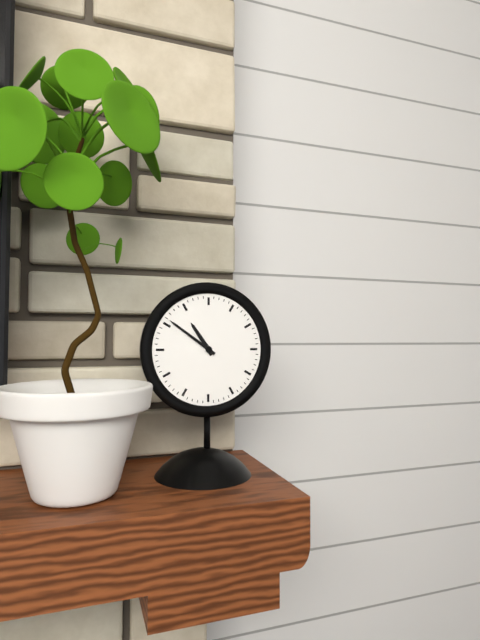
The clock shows **10:51**
